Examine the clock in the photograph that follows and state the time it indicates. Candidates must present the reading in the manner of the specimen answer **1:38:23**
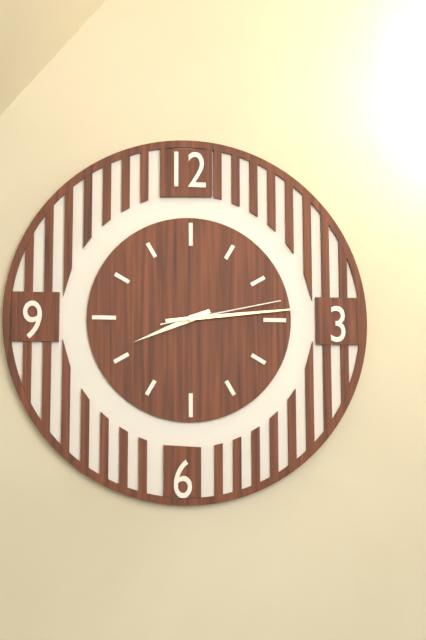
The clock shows **8:14:13**
